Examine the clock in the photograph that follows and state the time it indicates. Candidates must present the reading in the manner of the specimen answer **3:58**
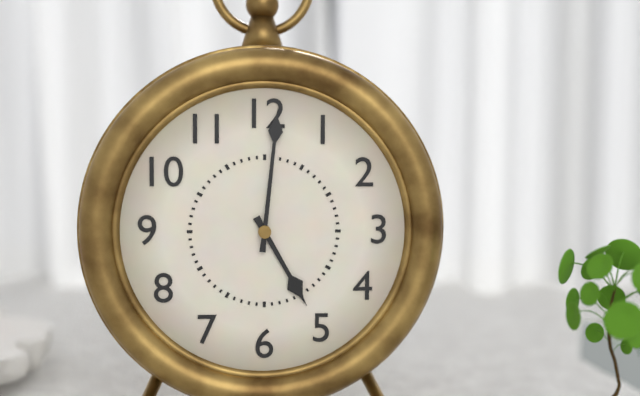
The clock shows **5:01**
